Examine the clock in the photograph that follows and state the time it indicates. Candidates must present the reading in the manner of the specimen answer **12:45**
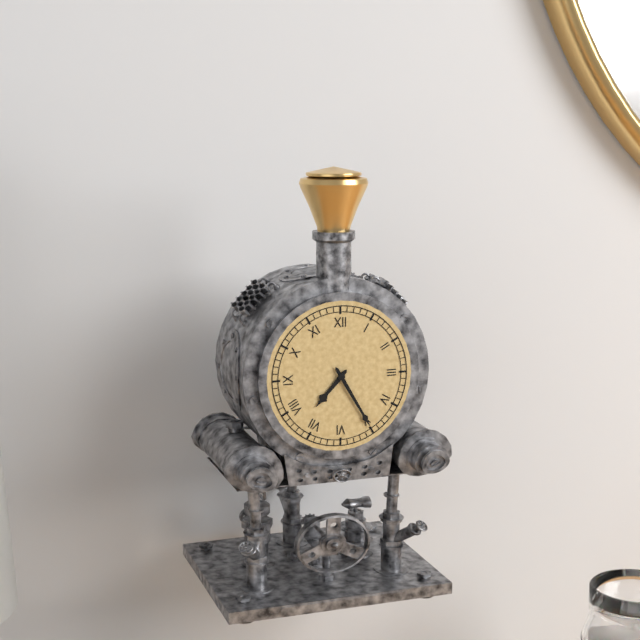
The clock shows **7:25**
